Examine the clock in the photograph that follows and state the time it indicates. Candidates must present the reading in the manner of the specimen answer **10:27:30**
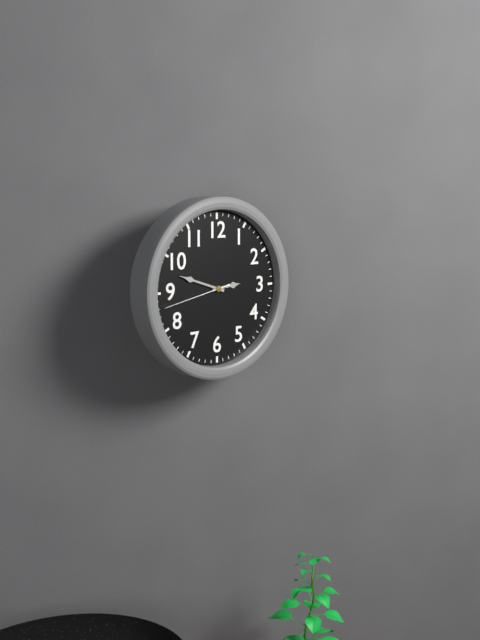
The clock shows **2:48:43**
